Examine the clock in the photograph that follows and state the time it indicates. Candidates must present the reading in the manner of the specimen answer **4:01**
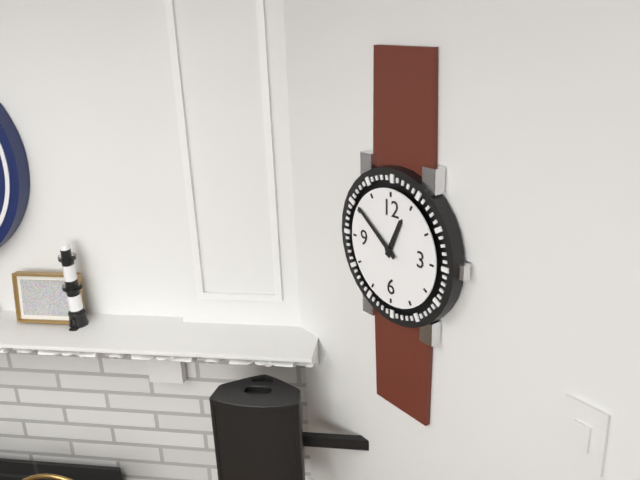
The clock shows **12:51**
